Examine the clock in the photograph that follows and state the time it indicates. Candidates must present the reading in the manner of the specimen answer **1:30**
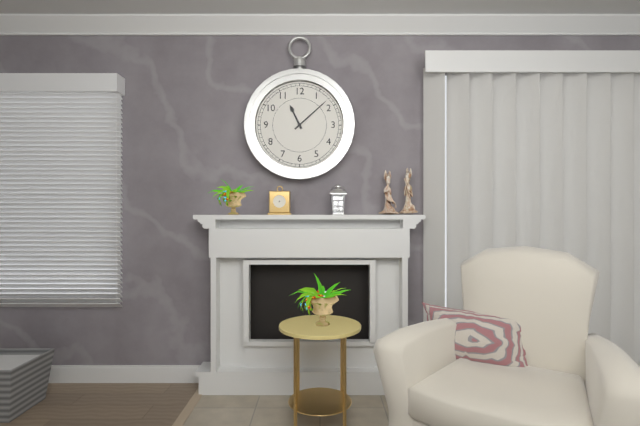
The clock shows **11:08**
